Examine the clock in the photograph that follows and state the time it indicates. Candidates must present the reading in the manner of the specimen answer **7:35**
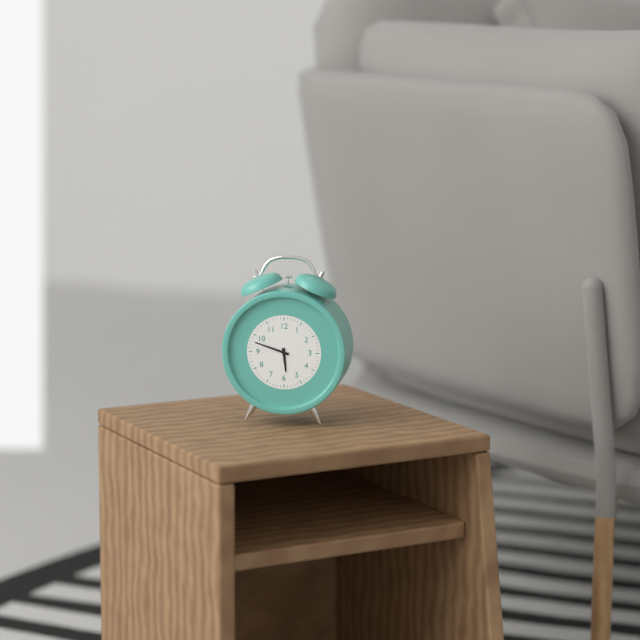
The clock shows **5:48**
